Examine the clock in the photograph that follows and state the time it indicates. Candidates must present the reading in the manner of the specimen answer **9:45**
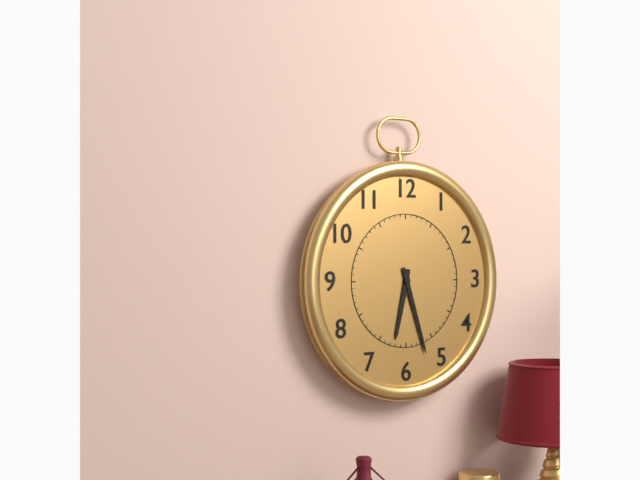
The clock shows **6:27**
